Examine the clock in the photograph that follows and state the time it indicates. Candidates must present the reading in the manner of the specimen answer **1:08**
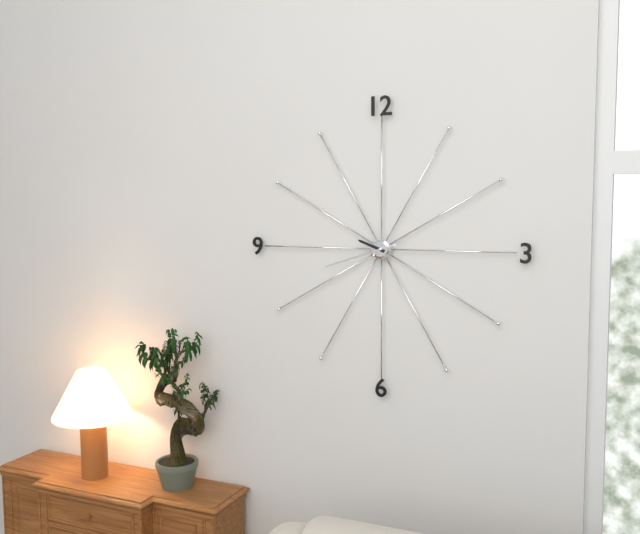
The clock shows **9:42**
